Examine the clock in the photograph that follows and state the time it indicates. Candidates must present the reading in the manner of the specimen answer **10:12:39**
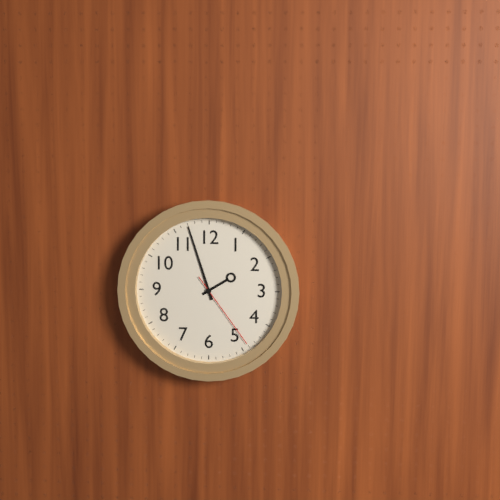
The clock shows **1:57:24**
